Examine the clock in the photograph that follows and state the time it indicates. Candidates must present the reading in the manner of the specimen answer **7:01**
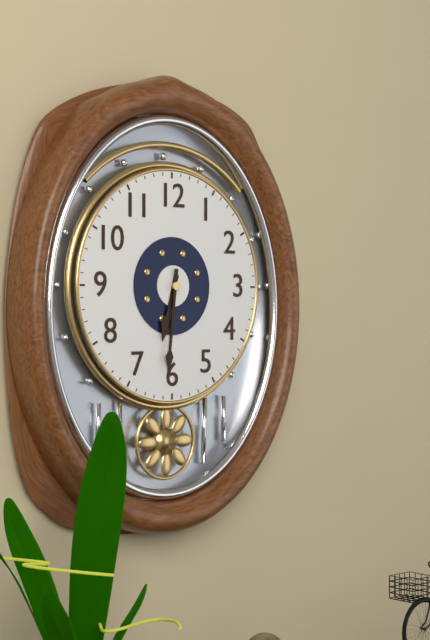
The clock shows **6:31**
